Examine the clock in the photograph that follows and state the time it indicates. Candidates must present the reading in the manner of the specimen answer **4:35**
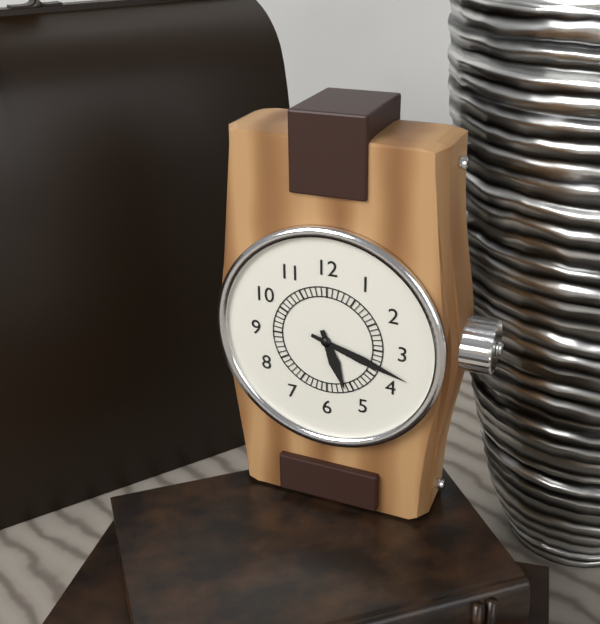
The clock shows **5:18**
